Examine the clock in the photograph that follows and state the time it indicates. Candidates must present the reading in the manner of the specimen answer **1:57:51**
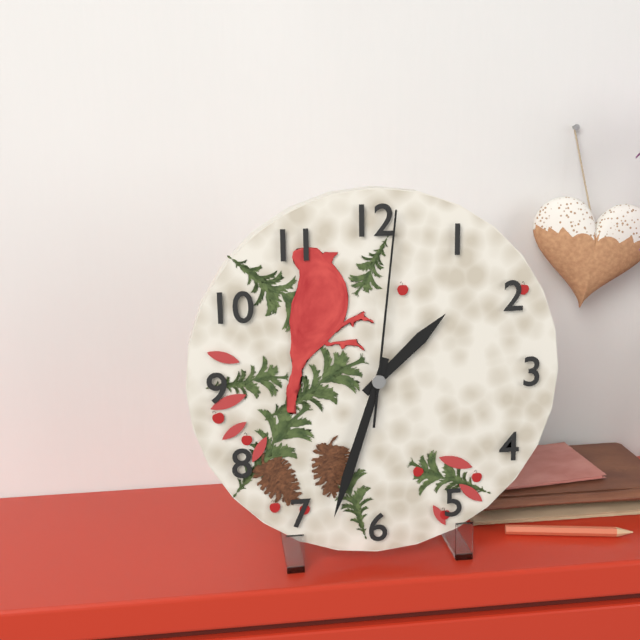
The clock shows **1:33:01**
